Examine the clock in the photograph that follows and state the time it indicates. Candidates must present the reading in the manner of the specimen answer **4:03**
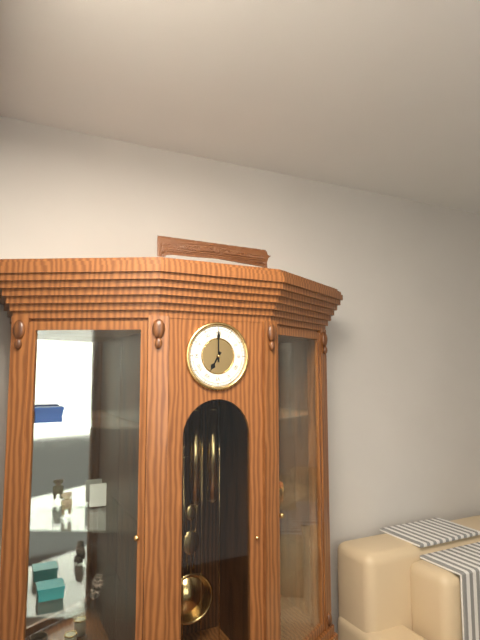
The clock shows **7:00**
